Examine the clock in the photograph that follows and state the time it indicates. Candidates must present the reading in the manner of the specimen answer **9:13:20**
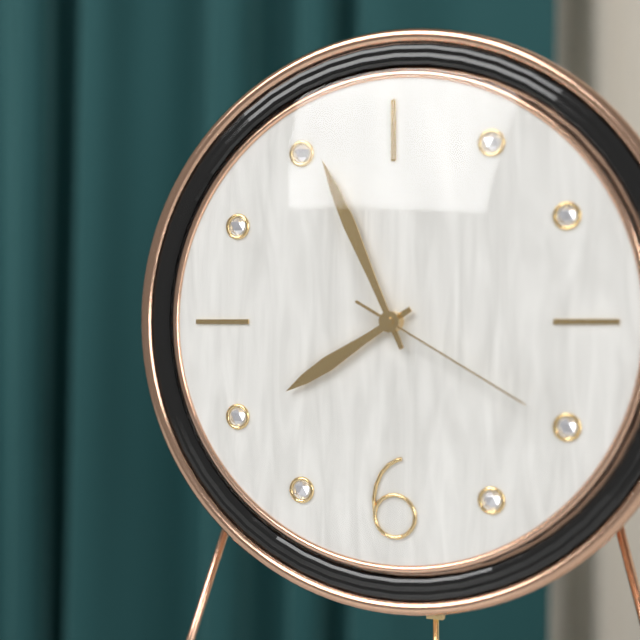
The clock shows **7:56:20**
